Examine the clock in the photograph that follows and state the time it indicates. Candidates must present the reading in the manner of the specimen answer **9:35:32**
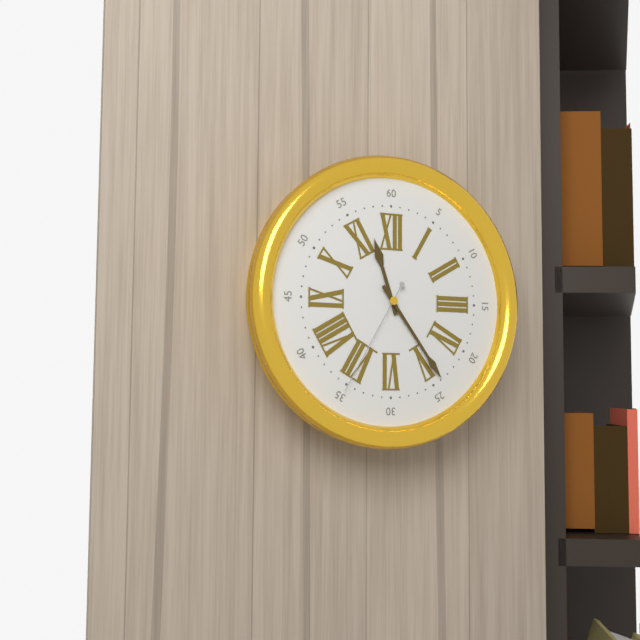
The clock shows **11:24:35**
